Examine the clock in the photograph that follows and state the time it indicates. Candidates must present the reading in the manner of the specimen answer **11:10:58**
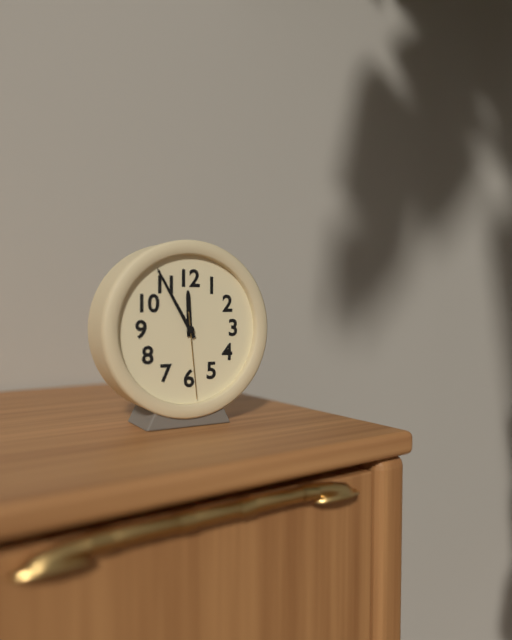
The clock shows **11:55:29**
